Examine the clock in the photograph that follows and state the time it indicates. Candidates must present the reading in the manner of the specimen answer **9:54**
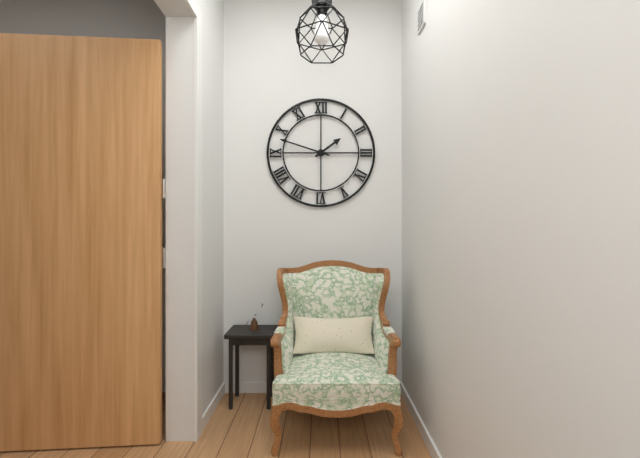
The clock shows **1:48**
